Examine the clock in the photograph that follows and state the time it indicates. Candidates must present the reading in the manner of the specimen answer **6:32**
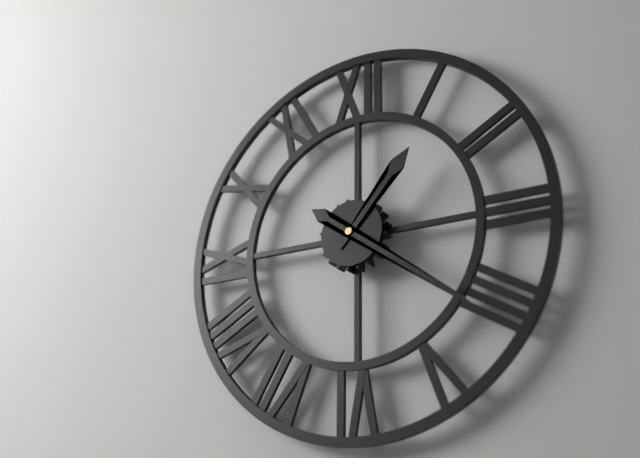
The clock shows **1:21**
